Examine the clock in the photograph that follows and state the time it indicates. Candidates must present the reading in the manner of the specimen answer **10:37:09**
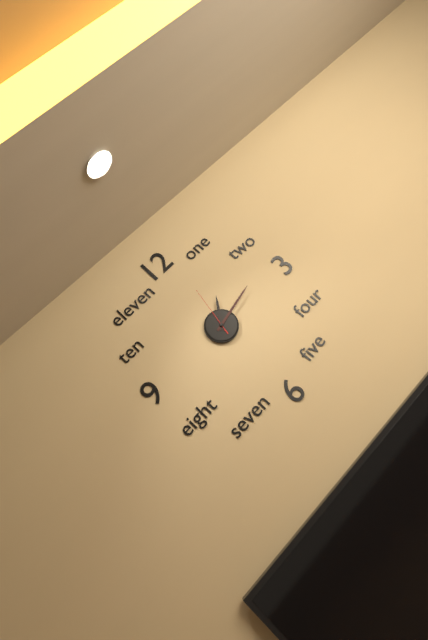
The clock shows **1:13:02**
